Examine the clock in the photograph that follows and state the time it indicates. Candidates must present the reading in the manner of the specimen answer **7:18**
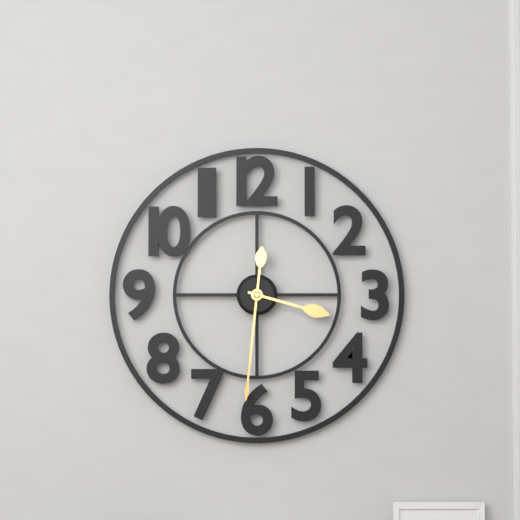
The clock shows **3:31**
